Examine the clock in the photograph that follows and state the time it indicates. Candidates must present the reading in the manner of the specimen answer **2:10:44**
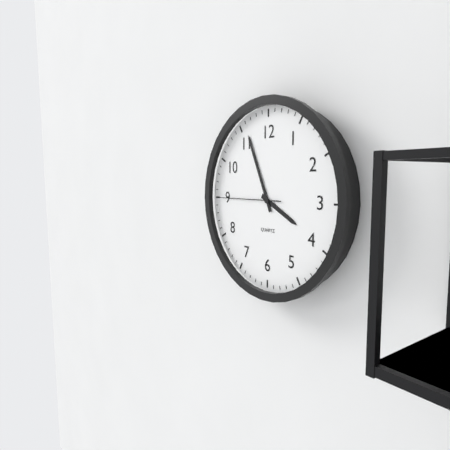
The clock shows **3:56:45**
